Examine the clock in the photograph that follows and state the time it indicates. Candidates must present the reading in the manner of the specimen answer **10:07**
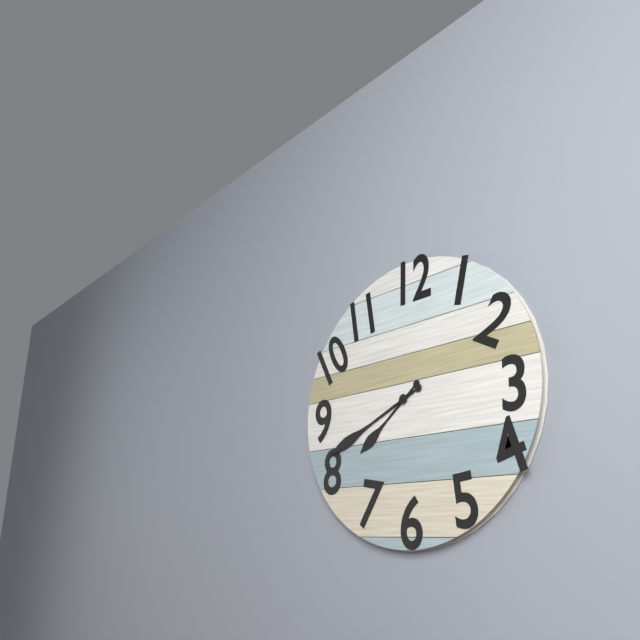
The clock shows **7:41**
